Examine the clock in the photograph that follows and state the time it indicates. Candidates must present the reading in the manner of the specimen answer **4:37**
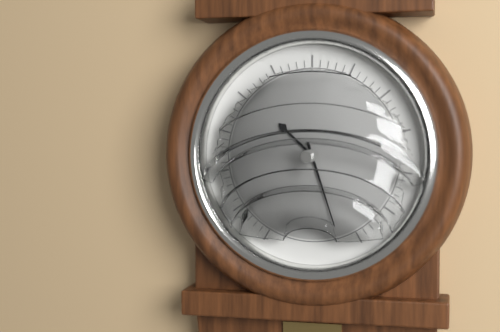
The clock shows **10:27**
